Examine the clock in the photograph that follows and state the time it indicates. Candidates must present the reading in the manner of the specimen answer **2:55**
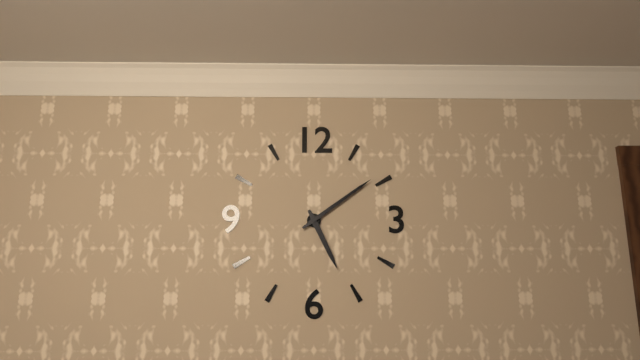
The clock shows **5:09**
